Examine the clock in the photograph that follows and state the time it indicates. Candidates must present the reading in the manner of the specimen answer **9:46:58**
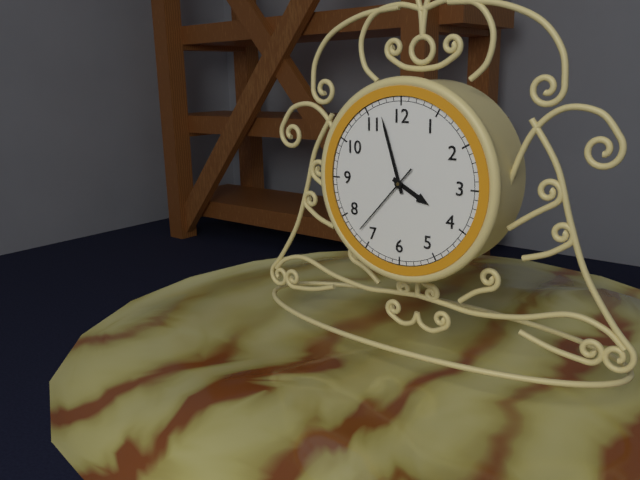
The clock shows **3:57:37**
